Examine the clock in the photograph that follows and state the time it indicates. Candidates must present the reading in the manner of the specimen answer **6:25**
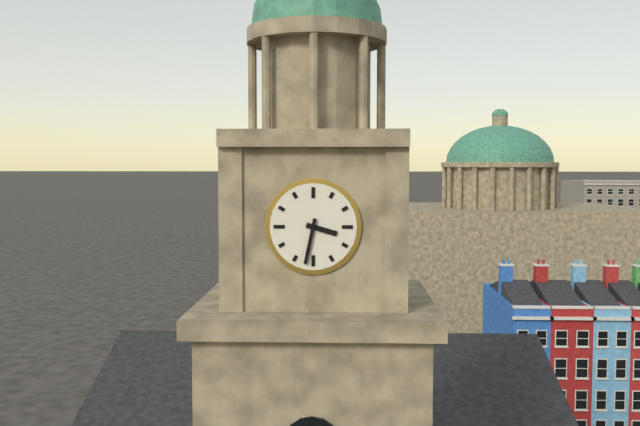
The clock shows **3:32**
